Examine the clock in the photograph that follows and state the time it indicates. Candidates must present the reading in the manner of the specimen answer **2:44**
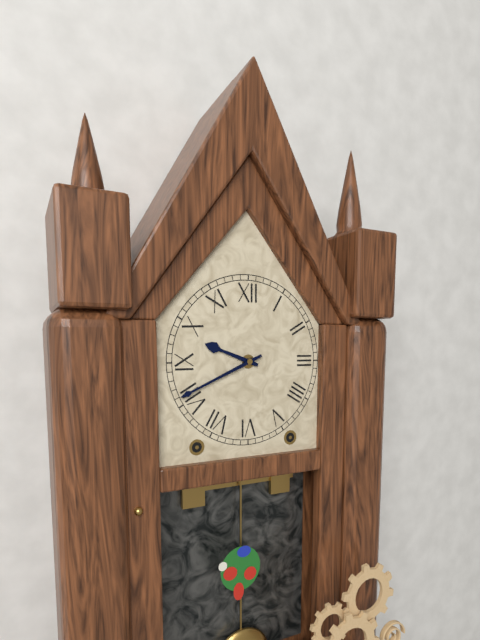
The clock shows **9:41**
